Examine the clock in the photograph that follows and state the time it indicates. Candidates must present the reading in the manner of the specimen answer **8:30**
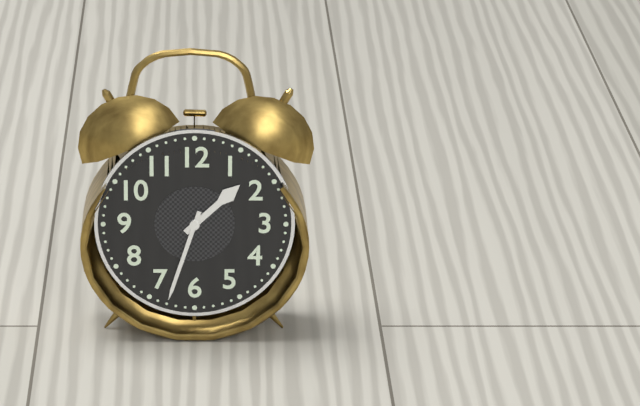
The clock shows **1:33**
